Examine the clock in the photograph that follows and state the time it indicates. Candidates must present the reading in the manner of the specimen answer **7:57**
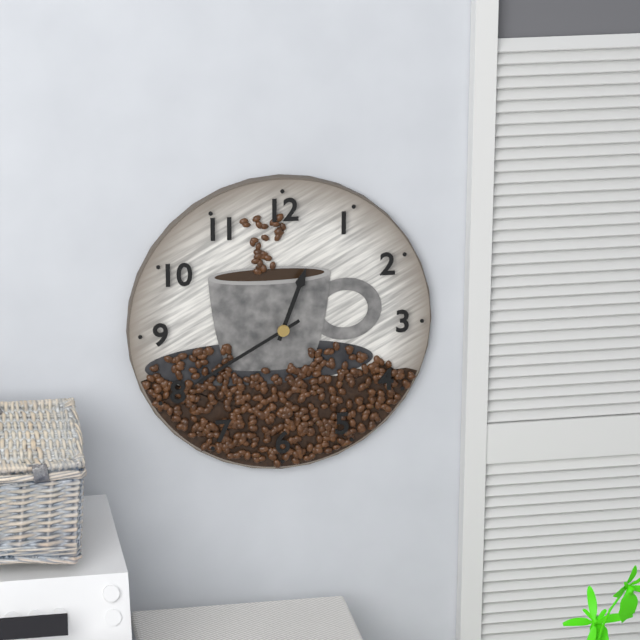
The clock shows **12:40**
